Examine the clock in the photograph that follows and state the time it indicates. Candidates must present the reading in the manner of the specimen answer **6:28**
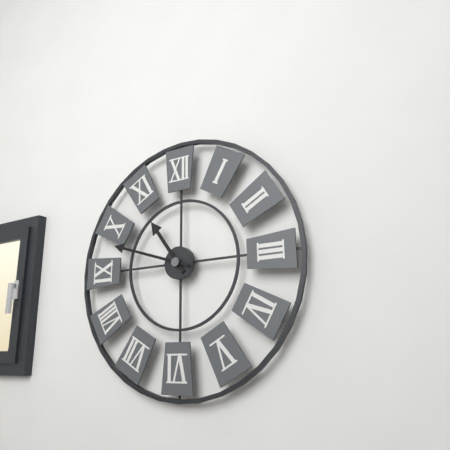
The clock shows **10:48**
